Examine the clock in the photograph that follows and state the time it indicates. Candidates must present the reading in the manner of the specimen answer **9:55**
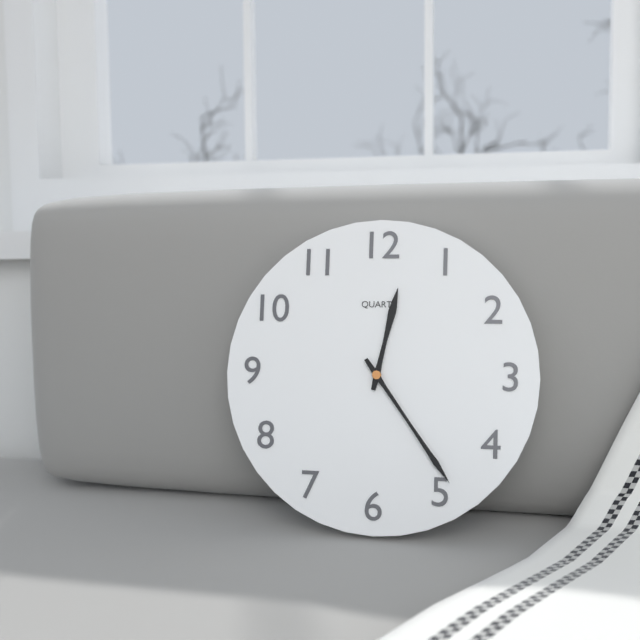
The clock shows **12:24**
